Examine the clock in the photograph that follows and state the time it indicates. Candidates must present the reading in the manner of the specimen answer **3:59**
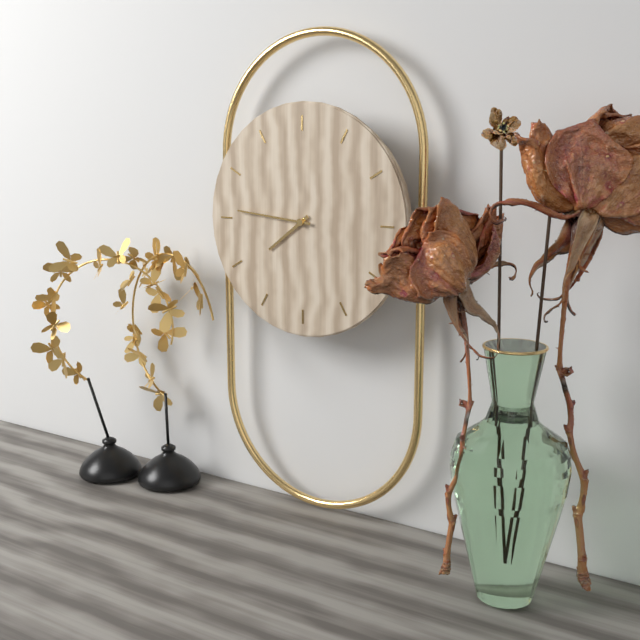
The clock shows **7:46**
